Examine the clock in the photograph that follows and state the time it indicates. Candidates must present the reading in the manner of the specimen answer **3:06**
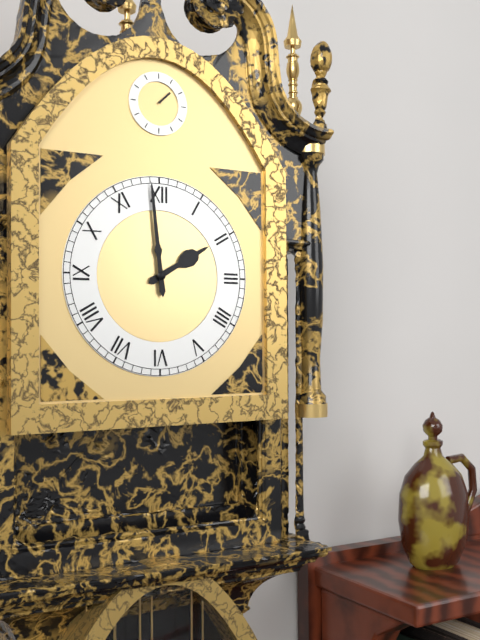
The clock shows **1:59**
